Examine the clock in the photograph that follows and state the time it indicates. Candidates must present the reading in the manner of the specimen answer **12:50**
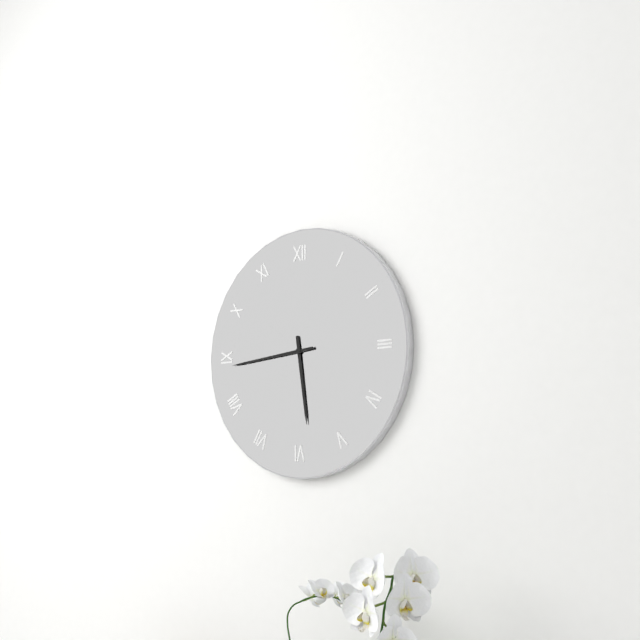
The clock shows **5:44**
